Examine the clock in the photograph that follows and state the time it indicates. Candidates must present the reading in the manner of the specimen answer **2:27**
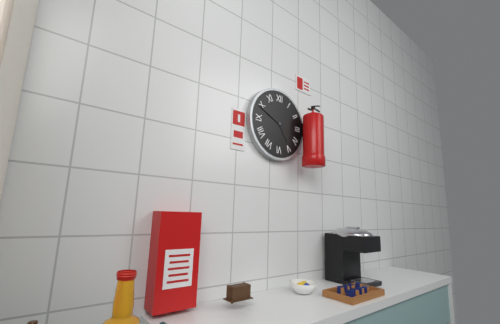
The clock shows **4:49**
